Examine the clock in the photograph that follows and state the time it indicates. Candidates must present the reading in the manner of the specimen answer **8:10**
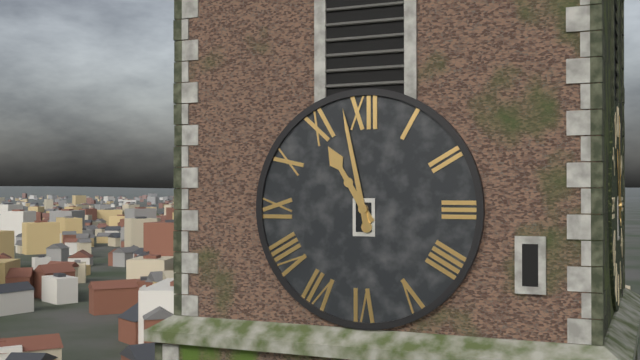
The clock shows **10:58**
